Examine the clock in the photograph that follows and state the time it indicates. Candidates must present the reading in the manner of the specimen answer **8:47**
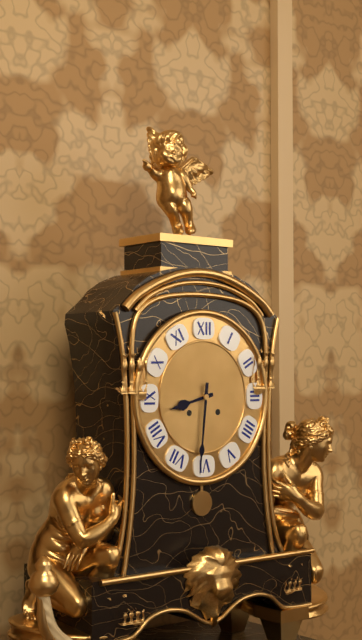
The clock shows **8:31**
